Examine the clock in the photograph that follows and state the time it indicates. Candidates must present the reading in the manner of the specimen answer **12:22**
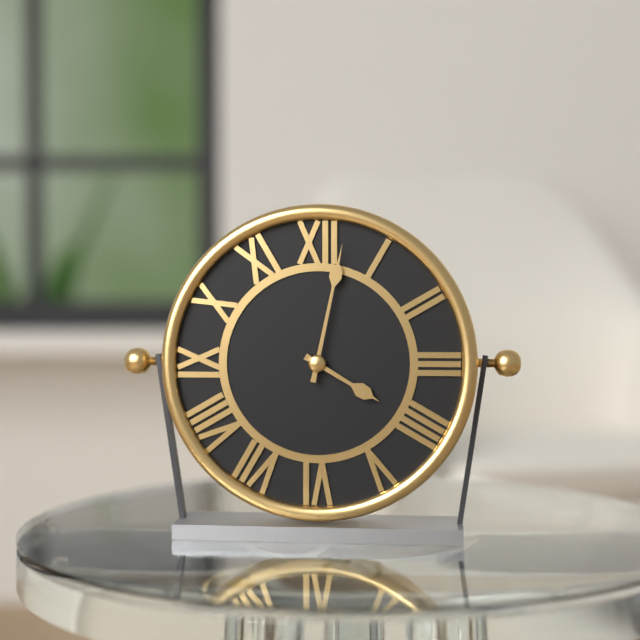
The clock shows **4:02**
